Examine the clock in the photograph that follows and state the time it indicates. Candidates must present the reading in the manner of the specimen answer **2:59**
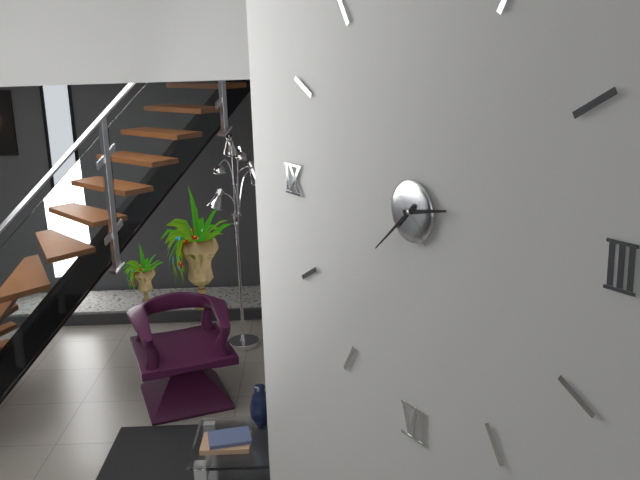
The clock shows **2:38**
